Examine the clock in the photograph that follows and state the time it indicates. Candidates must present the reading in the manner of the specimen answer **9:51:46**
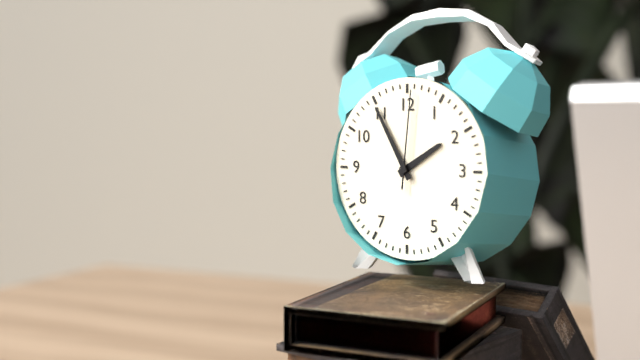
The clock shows **1:55:01**
